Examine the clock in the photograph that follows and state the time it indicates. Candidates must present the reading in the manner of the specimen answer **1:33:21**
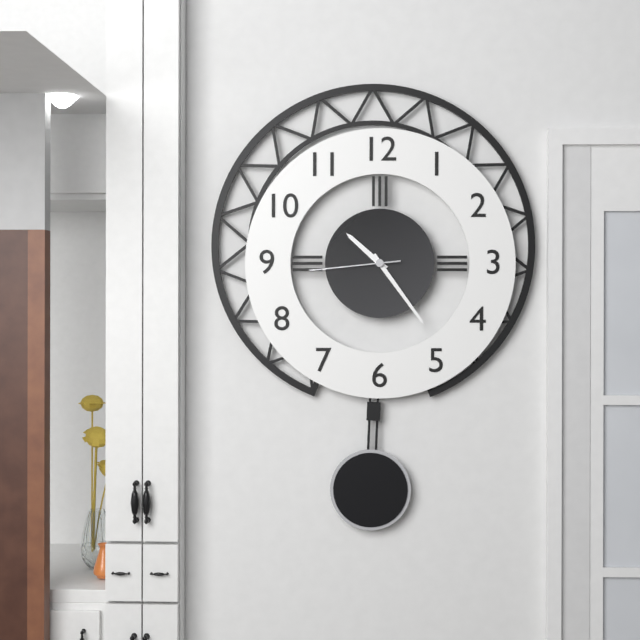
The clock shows **10:24:44**
